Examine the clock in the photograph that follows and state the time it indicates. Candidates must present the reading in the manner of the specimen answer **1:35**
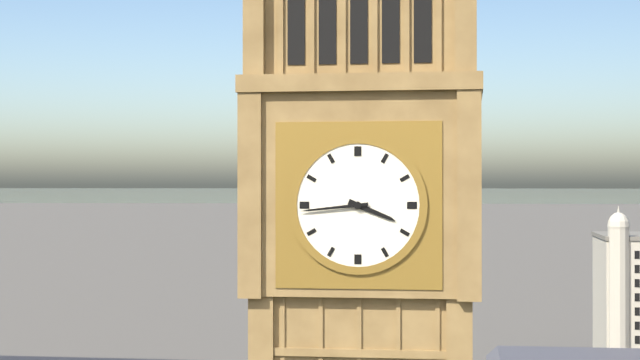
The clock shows **3:44**
